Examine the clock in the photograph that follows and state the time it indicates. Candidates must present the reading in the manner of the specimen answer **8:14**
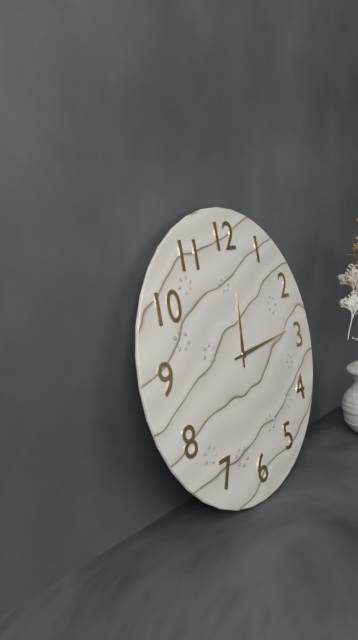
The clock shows **12:14**
